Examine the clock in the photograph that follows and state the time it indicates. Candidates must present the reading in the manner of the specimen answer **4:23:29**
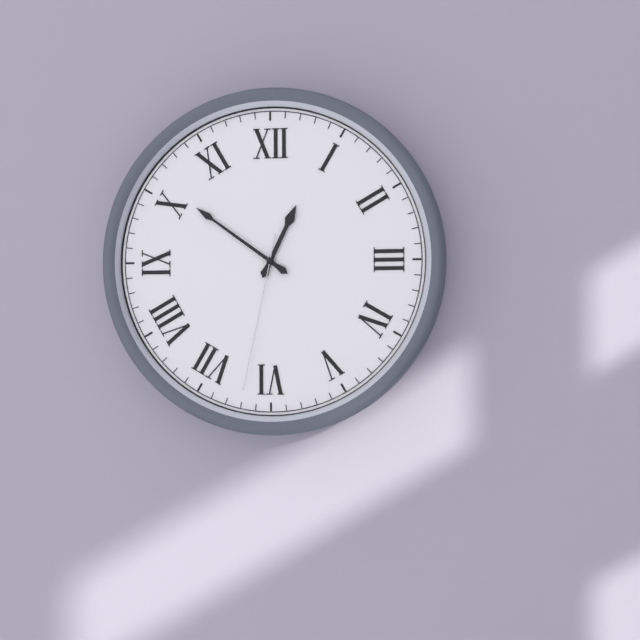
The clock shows **12:51:32**
